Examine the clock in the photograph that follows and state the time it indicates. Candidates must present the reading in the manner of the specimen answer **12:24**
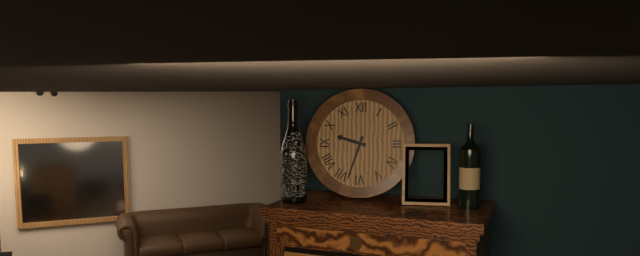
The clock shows **9:33**
